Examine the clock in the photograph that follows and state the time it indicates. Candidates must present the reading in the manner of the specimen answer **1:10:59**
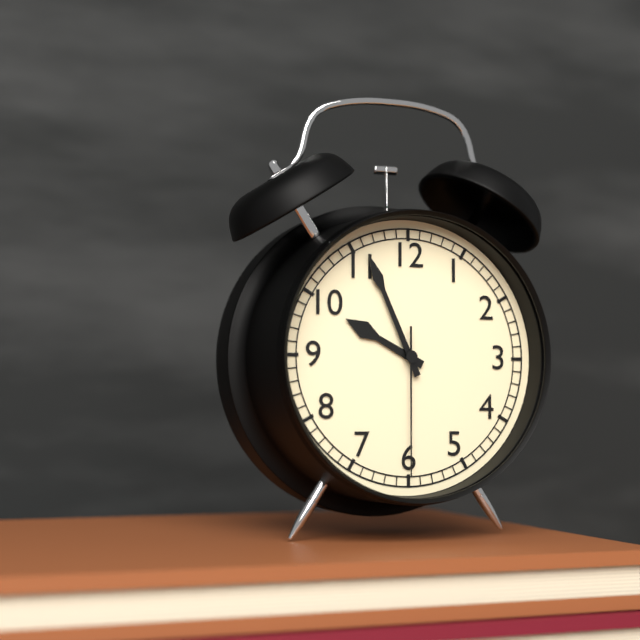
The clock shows **9:56:30**
